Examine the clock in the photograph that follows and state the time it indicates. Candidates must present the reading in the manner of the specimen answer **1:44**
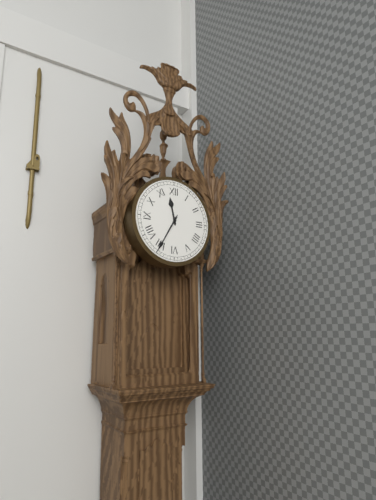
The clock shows **11:35**
